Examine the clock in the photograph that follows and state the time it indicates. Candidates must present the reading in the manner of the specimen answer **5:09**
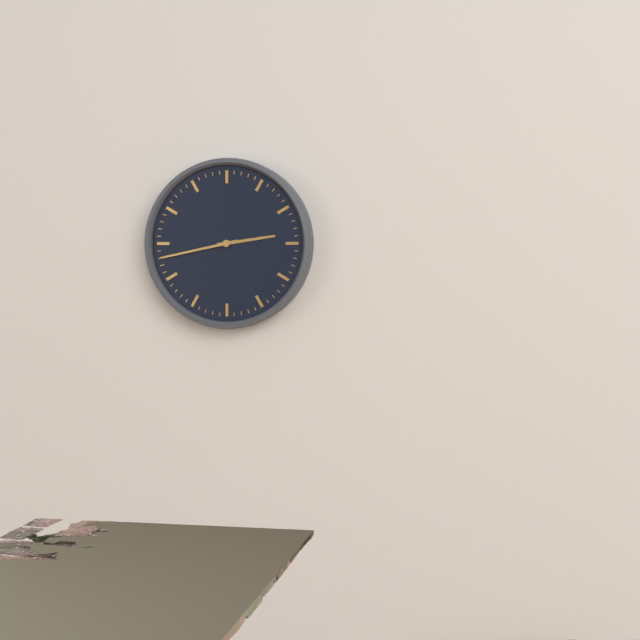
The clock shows **2:43**
